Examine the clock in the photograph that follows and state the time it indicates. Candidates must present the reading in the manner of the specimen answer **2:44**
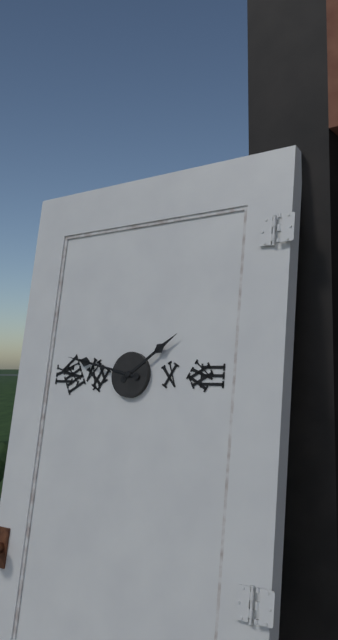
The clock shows **1:47**
